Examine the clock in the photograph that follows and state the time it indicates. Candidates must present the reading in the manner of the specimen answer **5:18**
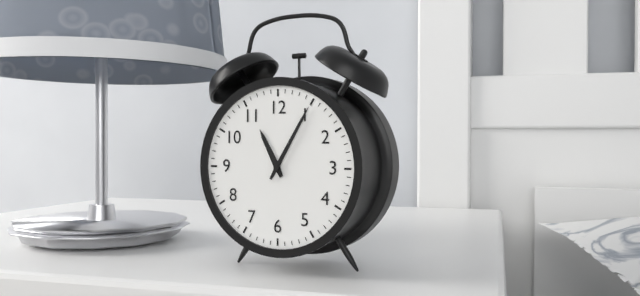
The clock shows **11:05**
